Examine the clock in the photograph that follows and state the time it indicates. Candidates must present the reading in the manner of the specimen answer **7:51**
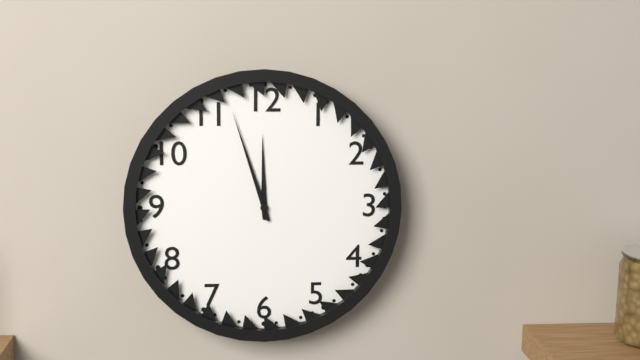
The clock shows **11:57**
